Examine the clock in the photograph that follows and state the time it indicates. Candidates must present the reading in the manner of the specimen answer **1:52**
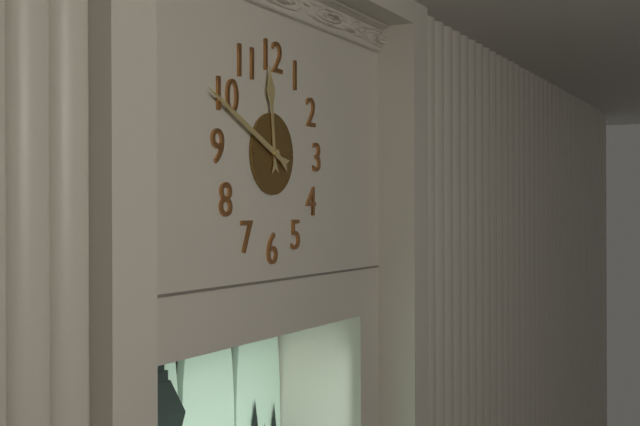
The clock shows **11:49**
